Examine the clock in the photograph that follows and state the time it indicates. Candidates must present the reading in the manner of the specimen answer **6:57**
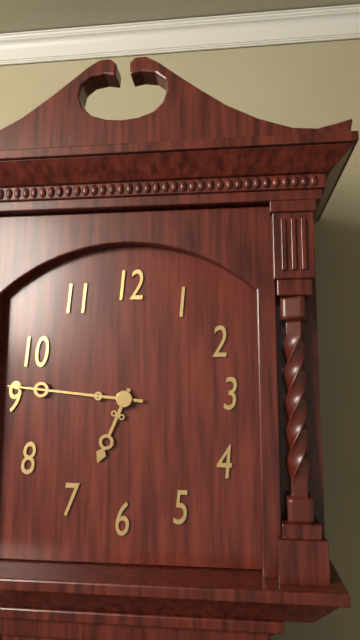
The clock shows **6:46**
